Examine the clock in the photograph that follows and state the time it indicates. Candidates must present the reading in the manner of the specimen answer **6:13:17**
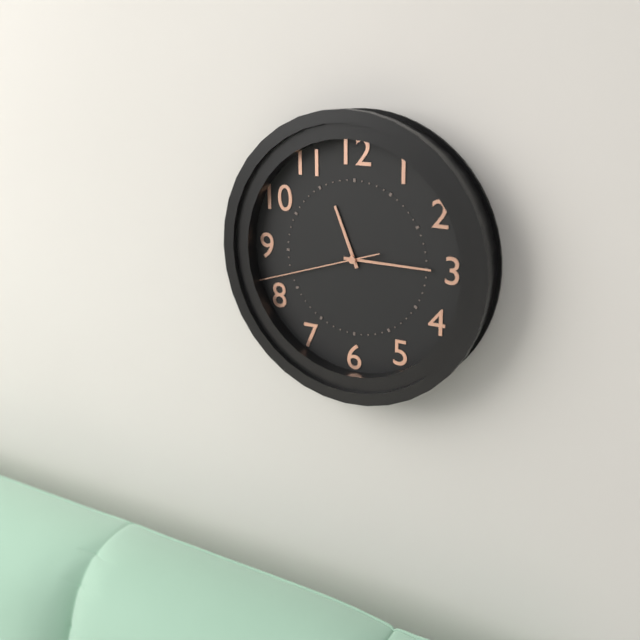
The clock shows **11:15:42**
